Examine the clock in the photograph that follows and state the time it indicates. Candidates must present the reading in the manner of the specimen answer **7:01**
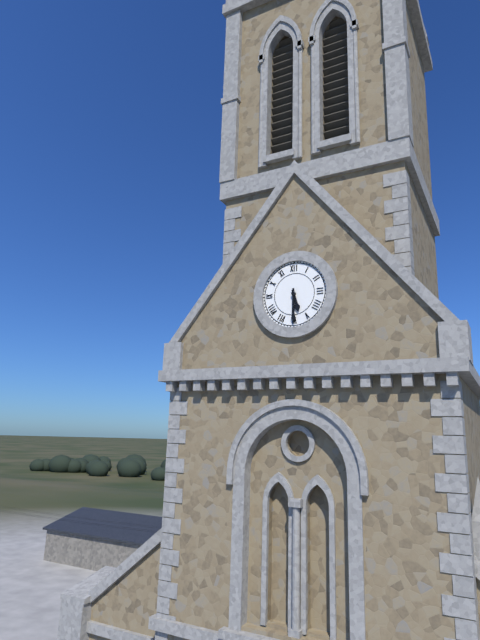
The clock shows **5:30**
